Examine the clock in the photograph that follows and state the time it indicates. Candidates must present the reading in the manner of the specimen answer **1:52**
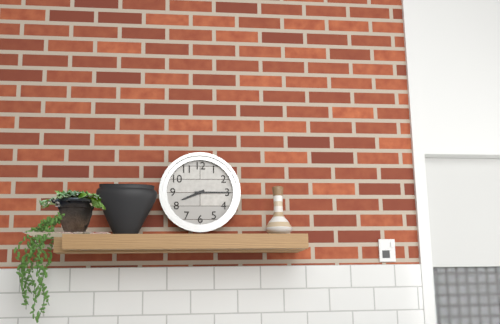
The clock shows **8:15**
